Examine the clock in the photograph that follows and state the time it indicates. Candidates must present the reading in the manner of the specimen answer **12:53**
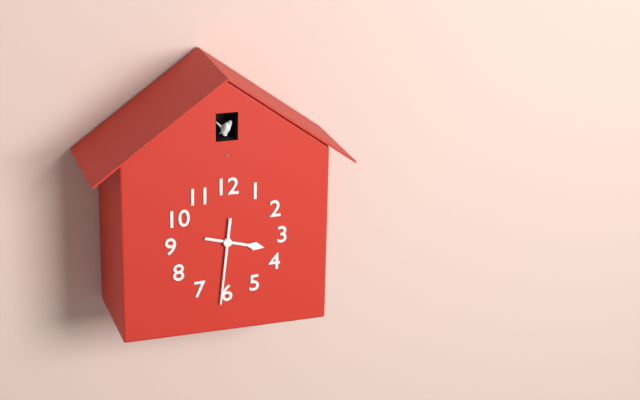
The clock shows **3:31**
